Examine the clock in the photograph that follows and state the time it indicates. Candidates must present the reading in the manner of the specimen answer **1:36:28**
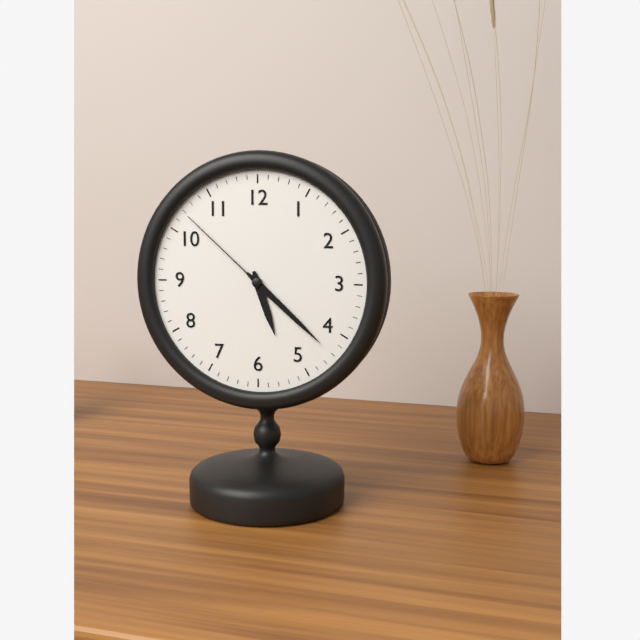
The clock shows **5:22:52**
